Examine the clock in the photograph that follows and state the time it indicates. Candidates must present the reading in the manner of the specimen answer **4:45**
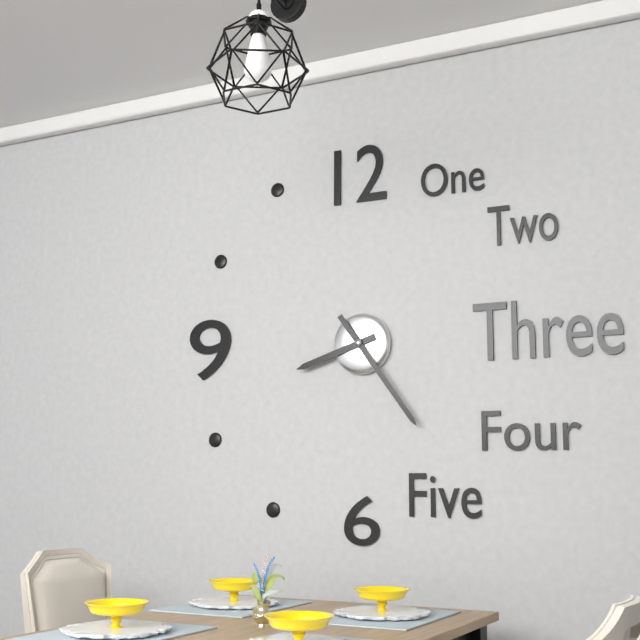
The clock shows **8:24**
